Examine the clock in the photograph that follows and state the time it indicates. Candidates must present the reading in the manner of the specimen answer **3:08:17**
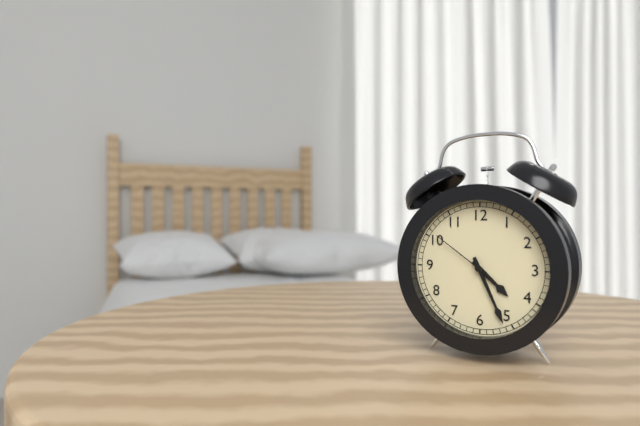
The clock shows **4:26:51**
